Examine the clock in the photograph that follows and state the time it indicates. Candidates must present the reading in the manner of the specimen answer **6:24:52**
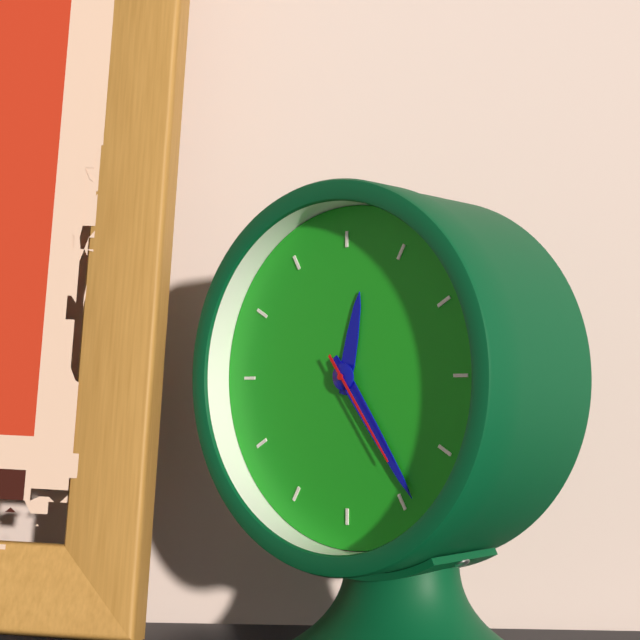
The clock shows **12:24:24**
